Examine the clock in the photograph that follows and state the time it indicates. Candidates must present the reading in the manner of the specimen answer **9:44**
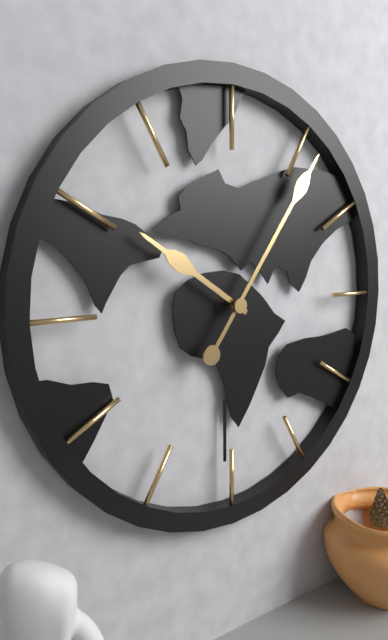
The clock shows **10:06**
